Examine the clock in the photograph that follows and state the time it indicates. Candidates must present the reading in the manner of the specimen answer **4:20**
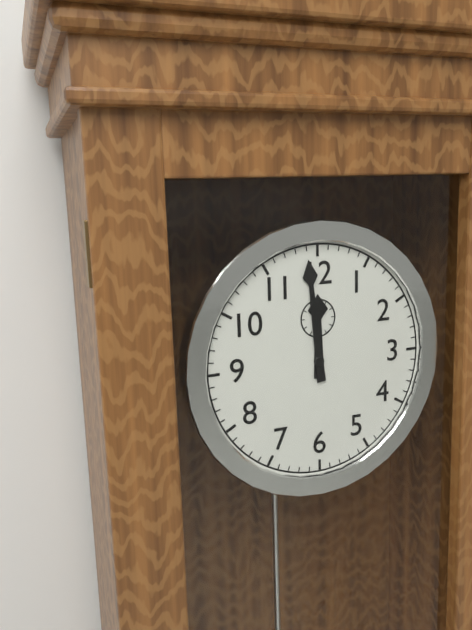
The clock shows **11:59**
